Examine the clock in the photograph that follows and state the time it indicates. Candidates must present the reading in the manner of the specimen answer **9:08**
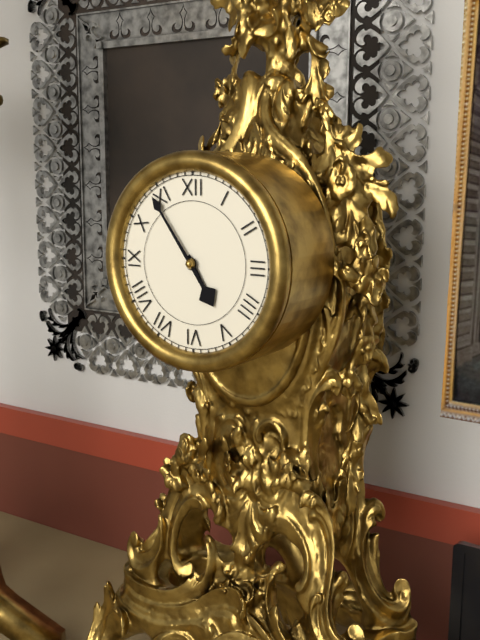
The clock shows **4:54**
